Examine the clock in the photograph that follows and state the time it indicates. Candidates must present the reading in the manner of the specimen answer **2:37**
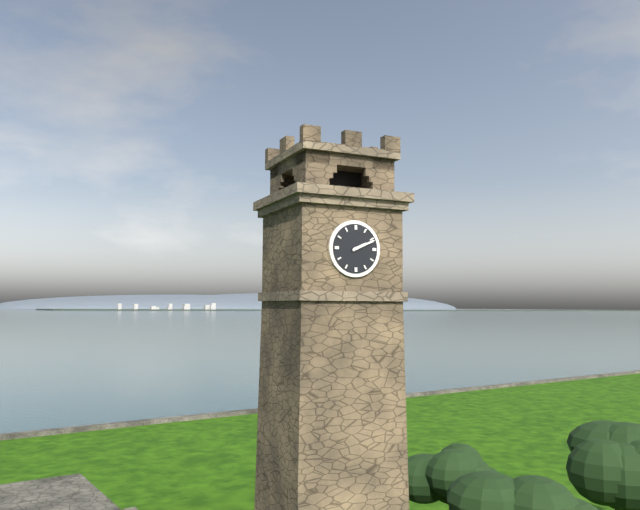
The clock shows **2:11**
